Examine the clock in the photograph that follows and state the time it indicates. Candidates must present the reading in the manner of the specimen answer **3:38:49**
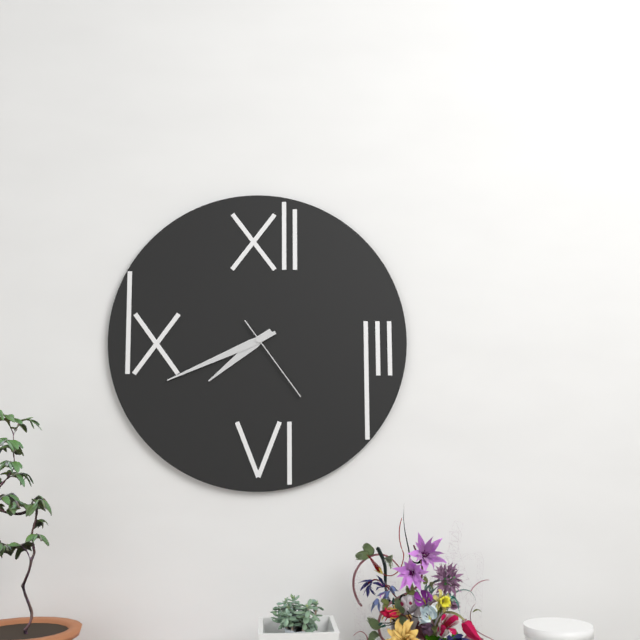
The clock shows **7:41:24**
